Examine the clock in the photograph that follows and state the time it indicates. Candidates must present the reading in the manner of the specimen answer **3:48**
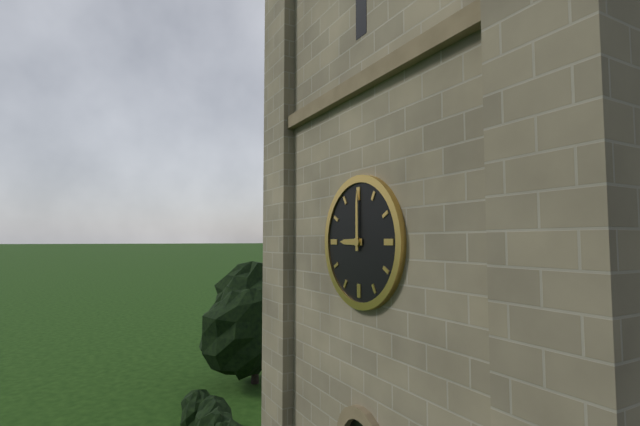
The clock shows **9:00**
